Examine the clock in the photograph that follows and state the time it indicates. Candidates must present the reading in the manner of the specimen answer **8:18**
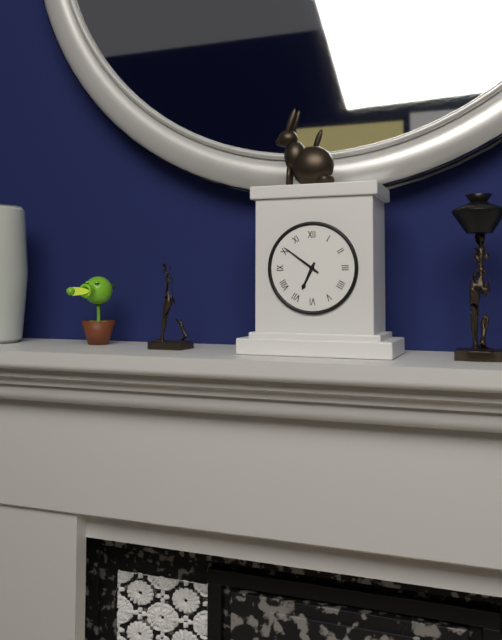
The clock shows **6:51**
